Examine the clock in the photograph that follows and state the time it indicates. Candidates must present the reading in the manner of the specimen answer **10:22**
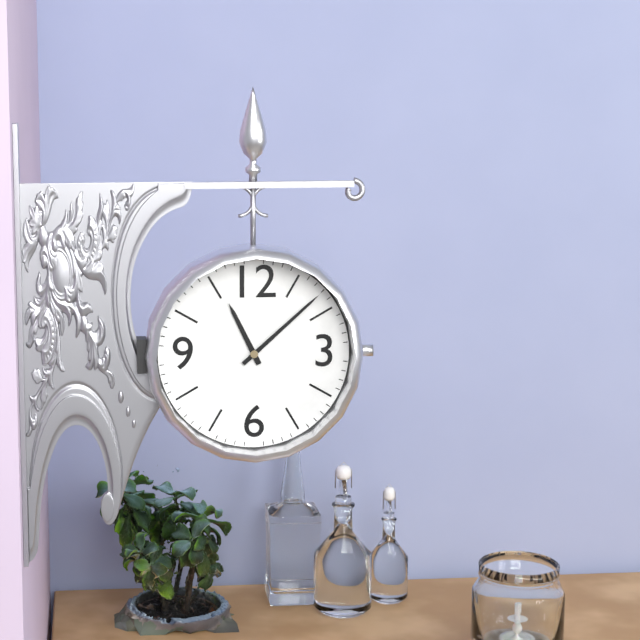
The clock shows **11:08**
